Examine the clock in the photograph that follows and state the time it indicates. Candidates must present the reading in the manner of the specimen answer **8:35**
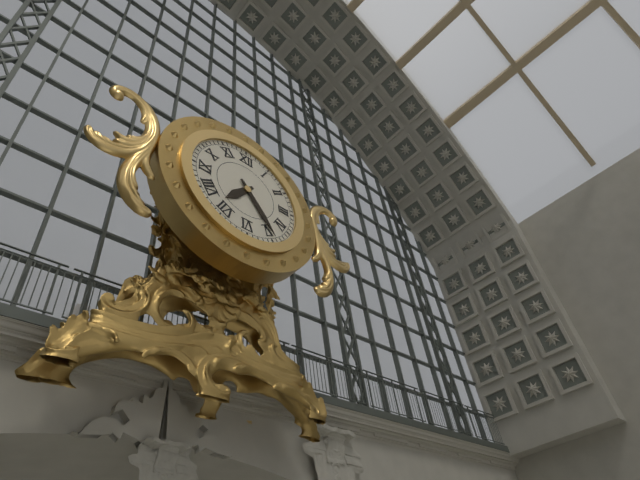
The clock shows **7:24**
